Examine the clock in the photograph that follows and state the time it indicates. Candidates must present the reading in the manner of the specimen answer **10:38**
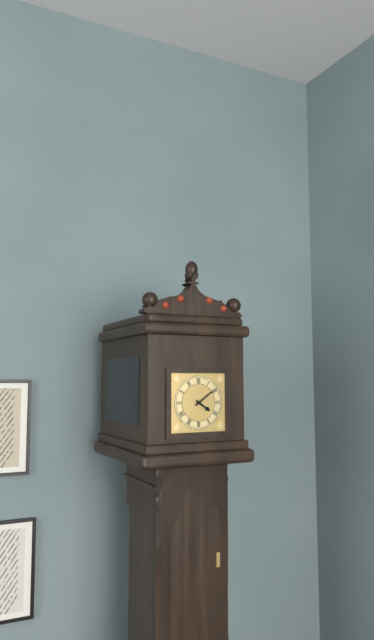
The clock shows **4:09**
